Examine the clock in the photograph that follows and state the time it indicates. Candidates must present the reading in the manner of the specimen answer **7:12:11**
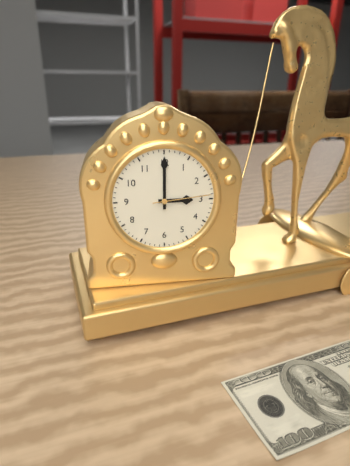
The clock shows **3:00:14**
